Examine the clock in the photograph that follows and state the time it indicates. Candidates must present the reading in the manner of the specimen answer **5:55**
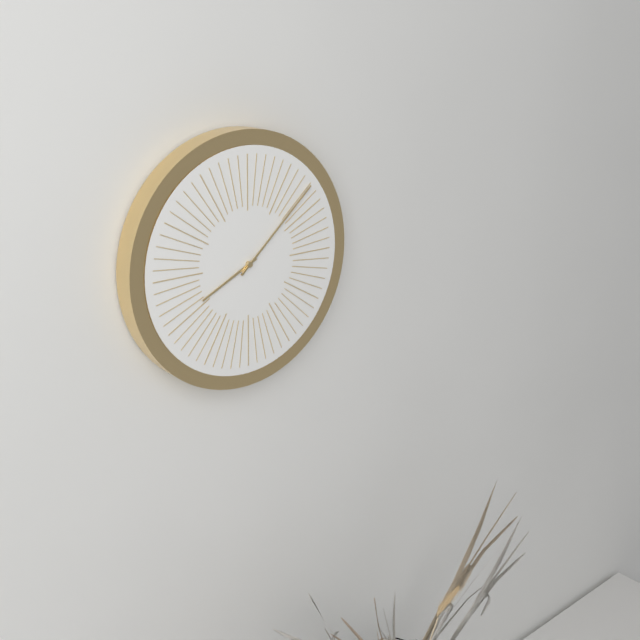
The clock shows **8:08**
